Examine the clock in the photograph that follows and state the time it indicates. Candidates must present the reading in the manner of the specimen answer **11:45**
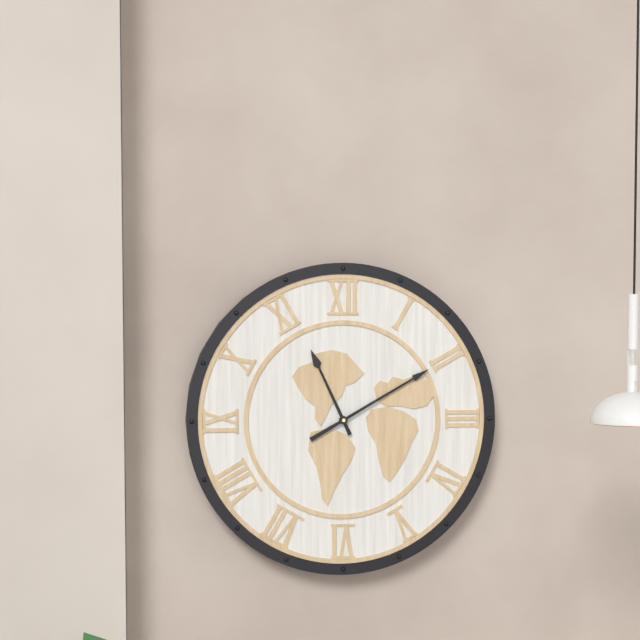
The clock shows **11:10**
